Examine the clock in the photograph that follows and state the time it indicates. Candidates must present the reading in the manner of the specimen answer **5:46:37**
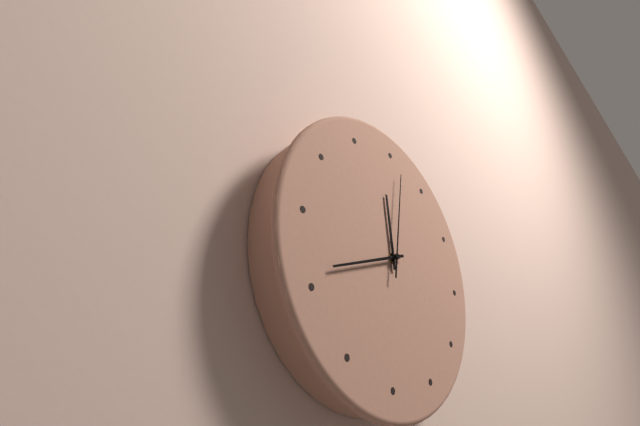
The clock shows **11:41:01**
